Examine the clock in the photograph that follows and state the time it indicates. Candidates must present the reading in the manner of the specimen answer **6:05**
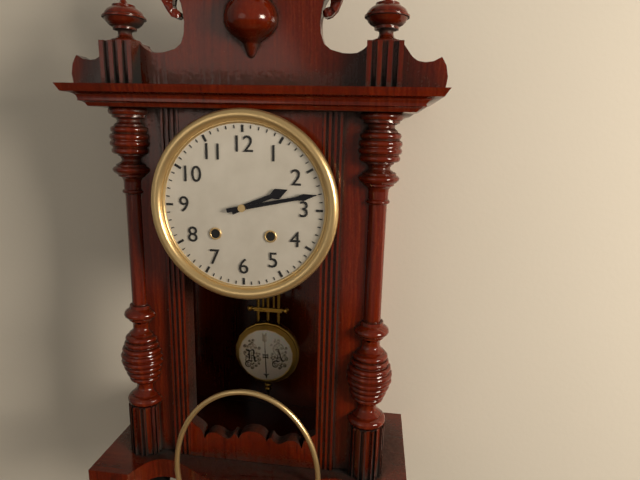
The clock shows **2:13**
